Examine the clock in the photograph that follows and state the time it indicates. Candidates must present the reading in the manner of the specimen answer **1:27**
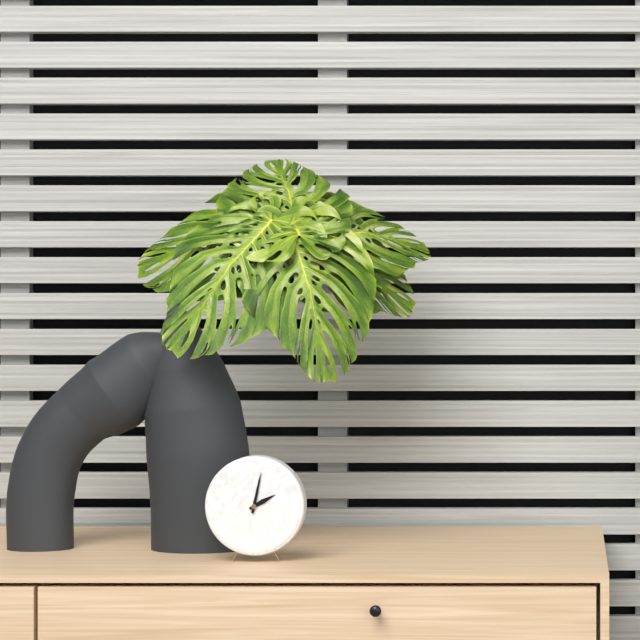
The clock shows **2:02**
